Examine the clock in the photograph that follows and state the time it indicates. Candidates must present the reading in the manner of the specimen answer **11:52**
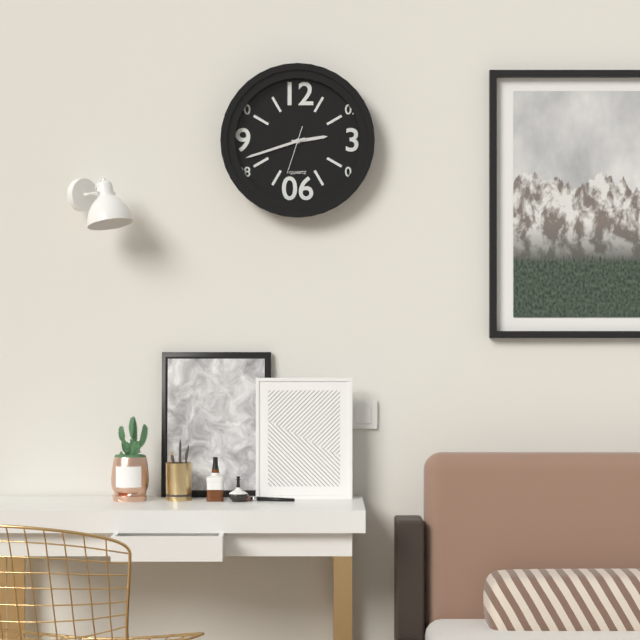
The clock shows **2:42**
